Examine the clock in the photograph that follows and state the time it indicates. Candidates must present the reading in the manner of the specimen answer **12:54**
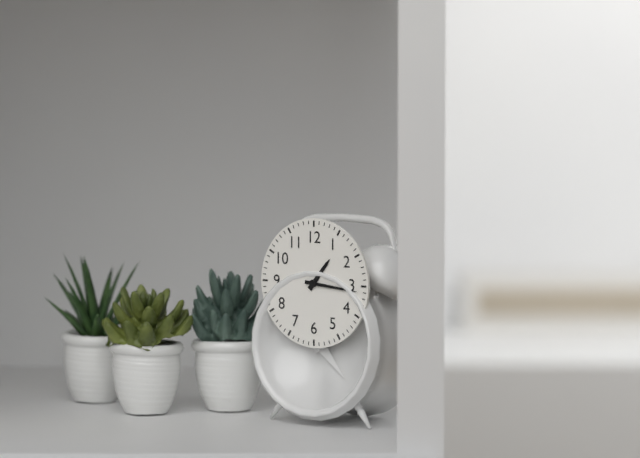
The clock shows **1:16**
